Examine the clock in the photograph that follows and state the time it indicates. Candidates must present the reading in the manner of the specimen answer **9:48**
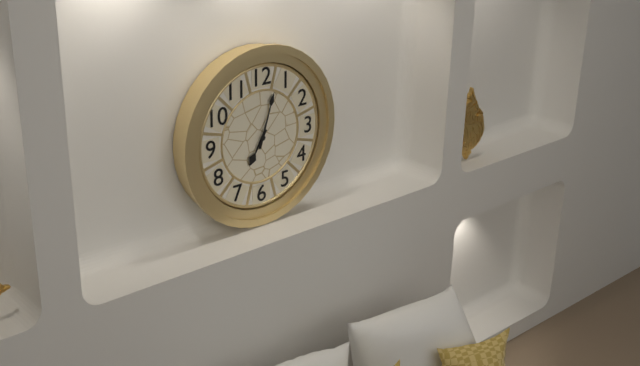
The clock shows **7:03**
